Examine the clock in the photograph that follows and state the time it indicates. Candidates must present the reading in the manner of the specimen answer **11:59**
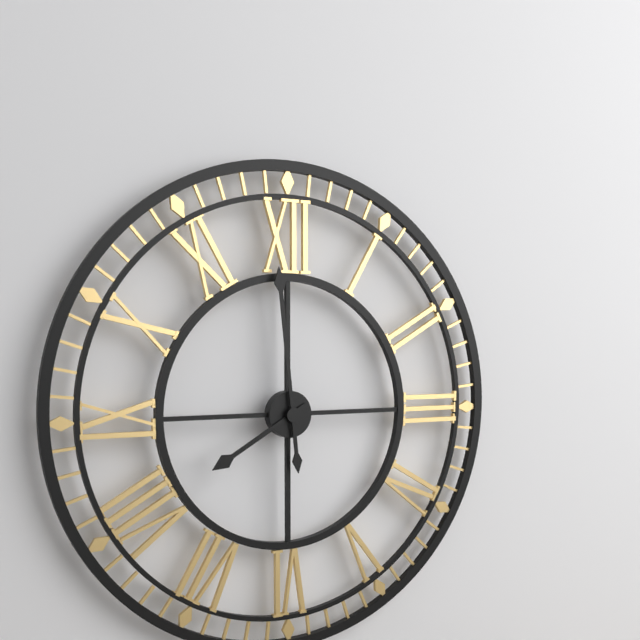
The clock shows **7:59**
